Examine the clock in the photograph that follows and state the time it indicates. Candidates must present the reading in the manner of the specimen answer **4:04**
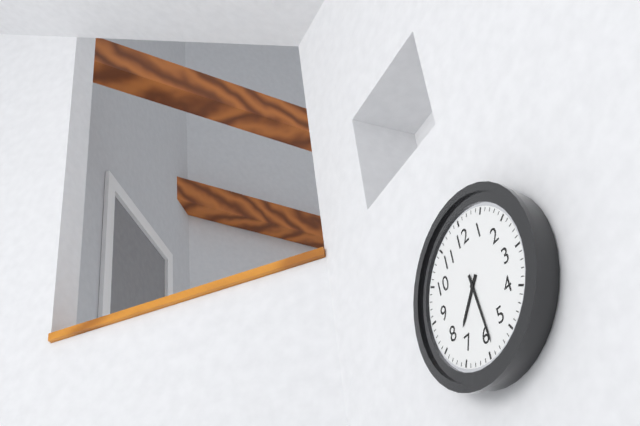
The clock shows **7:29**
